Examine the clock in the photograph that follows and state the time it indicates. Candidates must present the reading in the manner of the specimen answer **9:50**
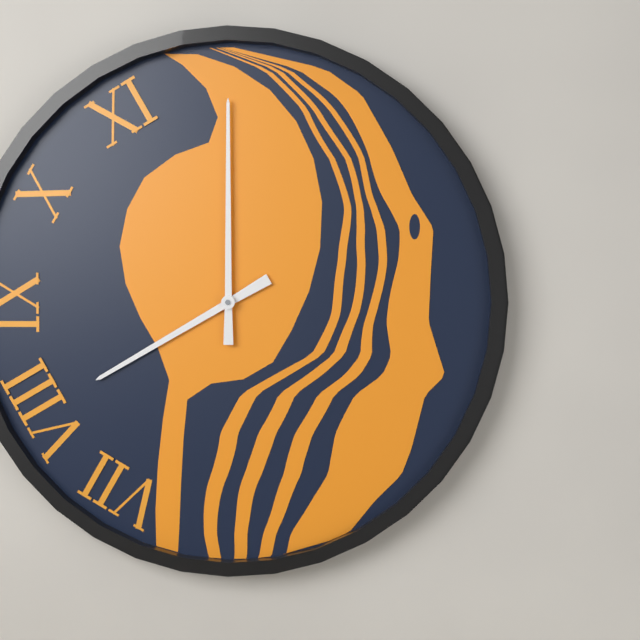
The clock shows **8:00**
